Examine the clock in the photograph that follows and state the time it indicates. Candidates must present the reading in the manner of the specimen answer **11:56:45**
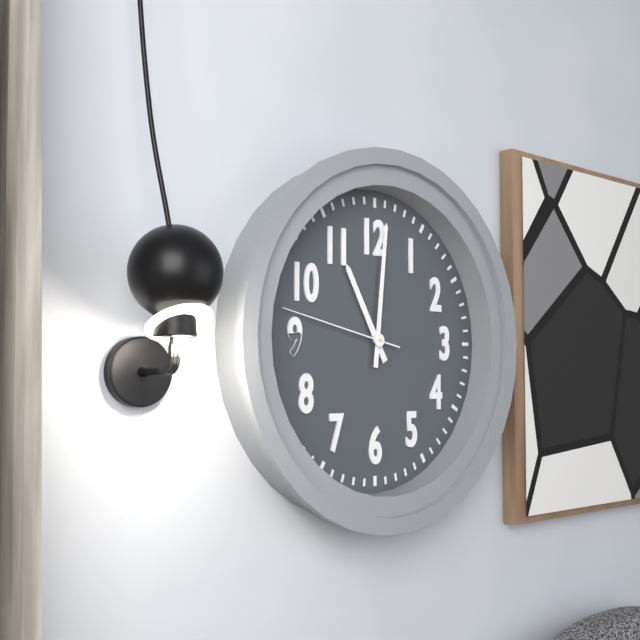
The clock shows **11:01:47**
